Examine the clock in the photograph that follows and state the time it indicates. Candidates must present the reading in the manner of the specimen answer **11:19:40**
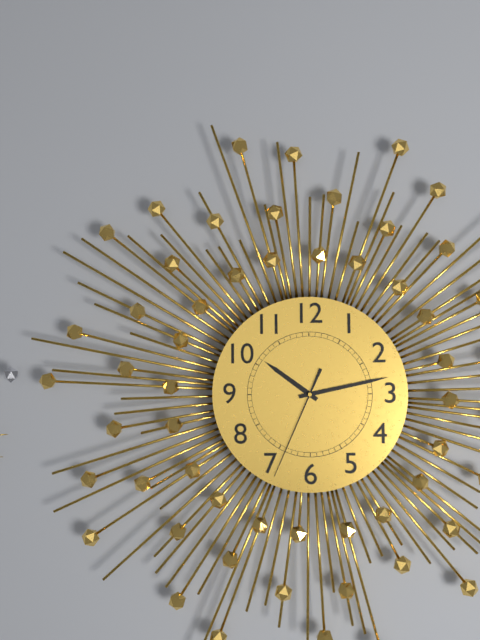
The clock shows **10:13:34**
